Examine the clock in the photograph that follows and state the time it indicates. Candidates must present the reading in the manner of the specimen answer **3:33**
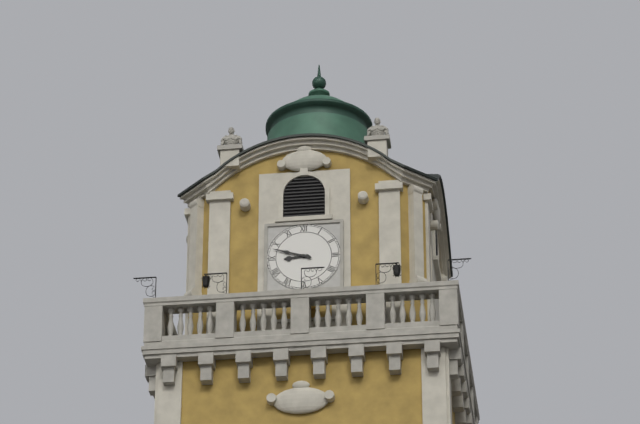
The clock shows **8:48**
